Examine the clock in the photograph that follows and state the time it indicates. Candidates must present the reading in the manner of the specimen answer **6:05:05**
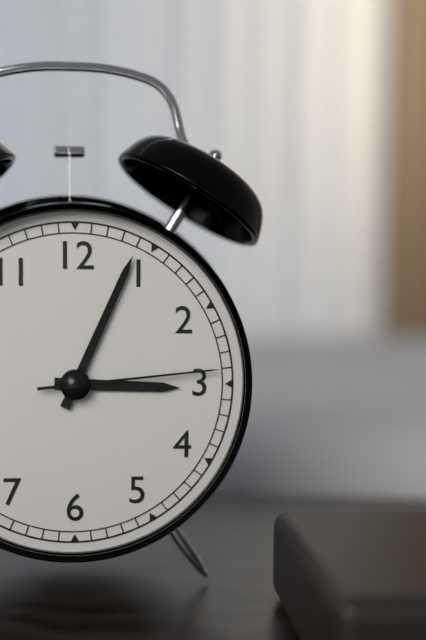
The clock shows **3:04:14**
